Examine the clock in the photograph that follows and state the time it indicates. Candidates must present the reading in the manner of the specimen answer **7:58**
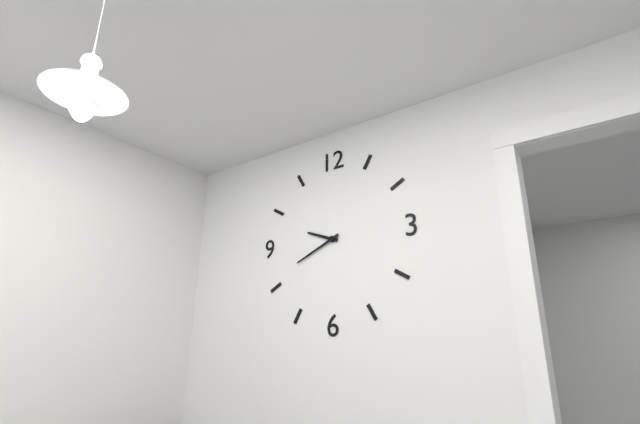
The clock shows **9:41**
